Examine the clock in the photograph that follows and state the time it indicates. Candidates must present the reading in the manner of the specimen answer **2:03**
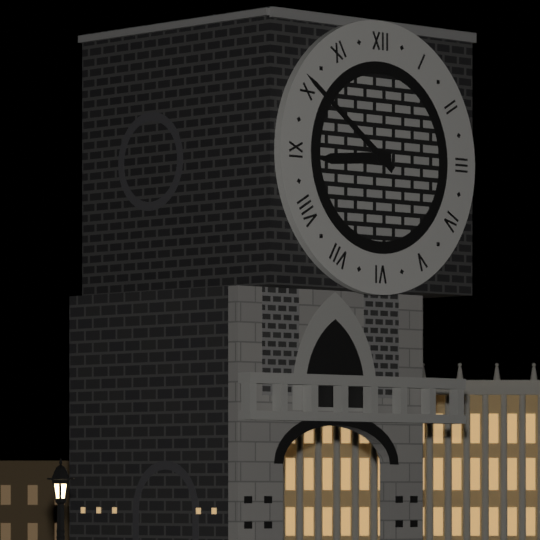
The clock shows **8:51**
